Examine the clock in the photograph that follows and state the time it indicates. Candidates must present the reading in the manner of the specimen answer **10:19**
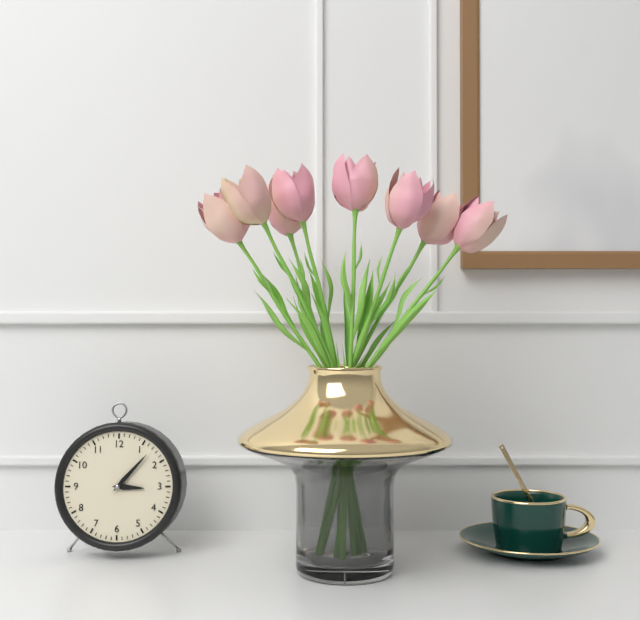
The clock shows **3:07**
